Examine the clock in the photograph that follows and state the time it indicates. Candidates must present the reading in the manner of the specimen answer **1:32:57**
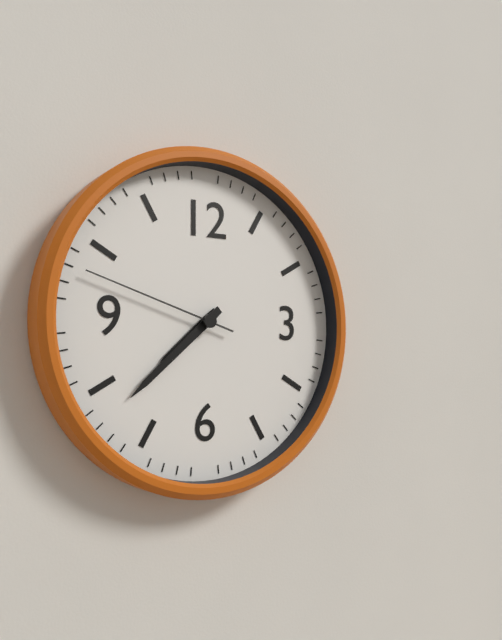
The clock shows **7:38:48**
